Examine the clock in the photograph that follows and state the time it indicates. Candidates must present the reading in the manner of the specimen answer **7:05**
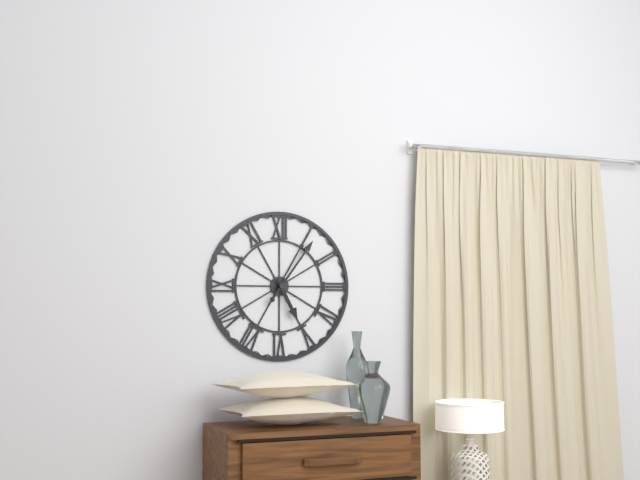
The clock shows **5:06**
